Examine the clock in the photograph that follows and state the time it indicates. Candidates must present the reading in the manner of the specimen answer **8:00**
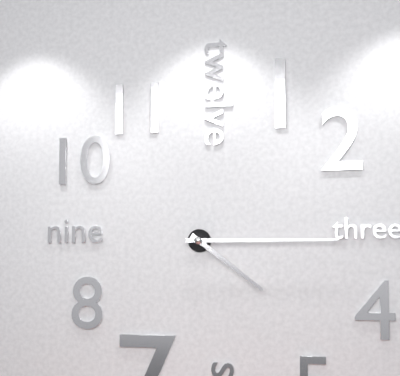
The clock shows **4:15**
